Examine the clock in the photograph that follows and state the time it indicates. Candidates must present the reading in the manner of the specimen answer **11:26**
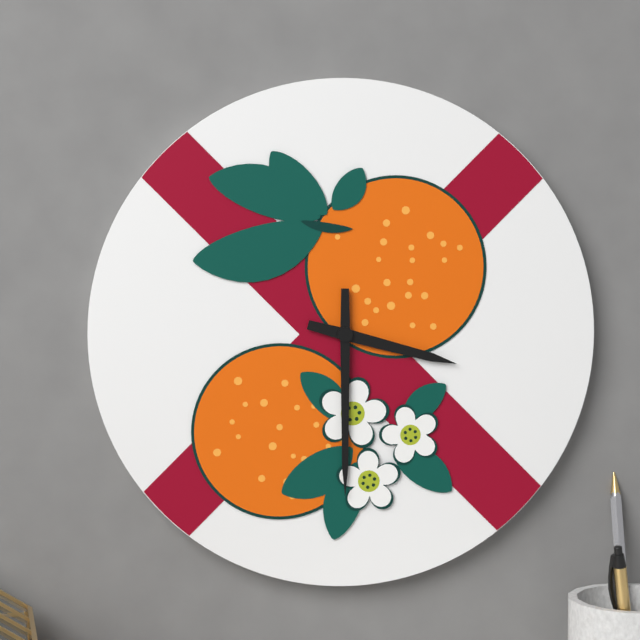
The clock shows **3:30**
